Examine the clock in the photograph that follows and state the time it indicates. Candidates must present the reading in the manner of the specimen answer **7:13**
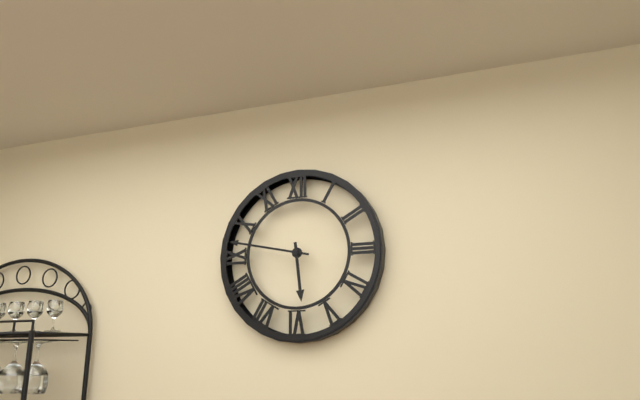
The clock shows **5:47**
